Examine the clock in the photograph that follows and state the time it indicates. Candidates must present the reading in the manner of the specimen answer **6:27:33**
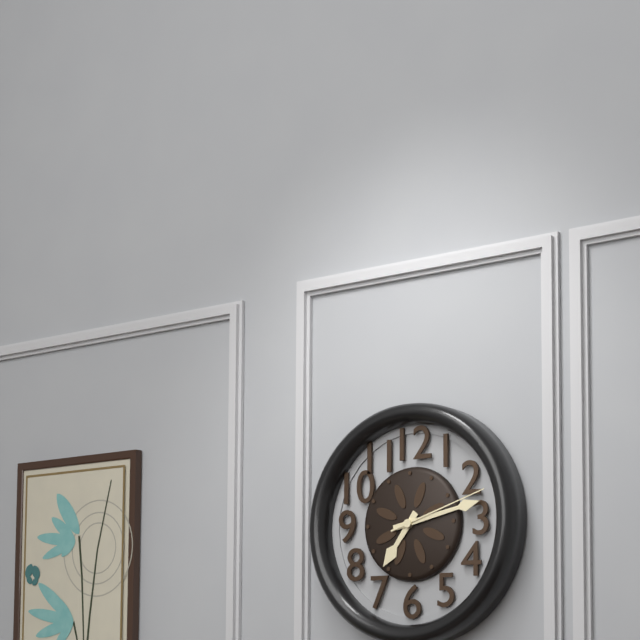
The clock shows **7:13:12**
